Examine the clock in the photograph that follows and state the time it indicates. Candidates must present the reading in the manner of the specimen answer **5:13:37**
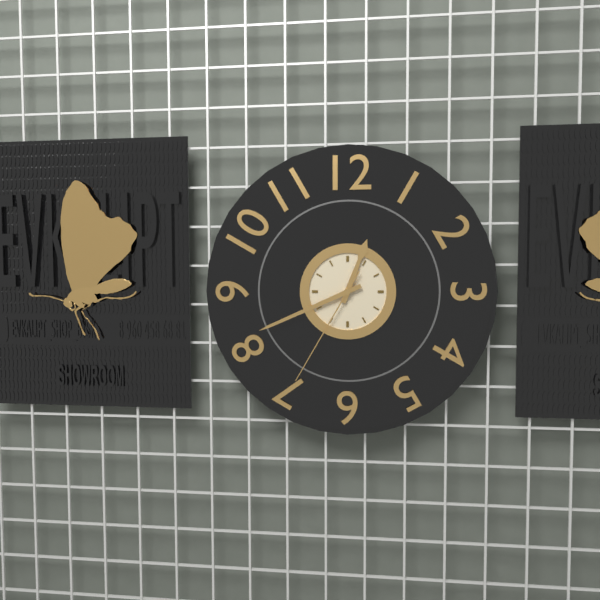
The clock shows **12:41:35**
